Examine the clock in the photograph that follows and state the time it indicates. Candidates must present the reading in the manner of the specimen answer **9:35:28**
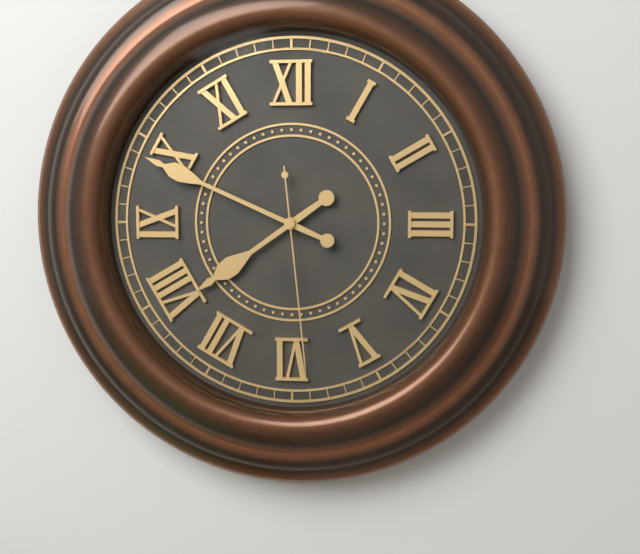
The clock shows **7:49:29**
